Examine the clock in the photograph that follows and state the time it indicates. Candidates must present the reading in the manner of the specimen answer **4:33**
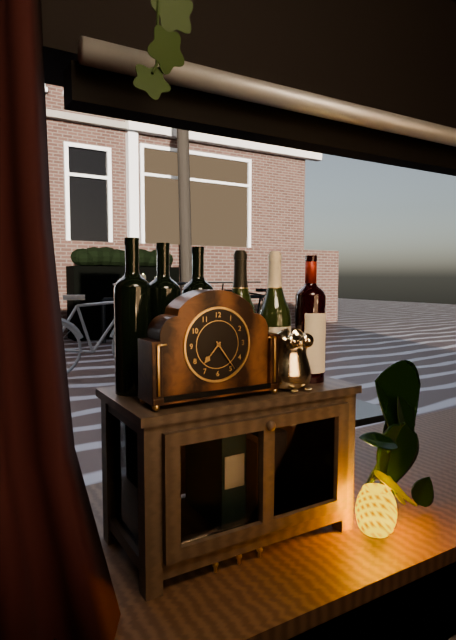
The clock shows **7:24**
